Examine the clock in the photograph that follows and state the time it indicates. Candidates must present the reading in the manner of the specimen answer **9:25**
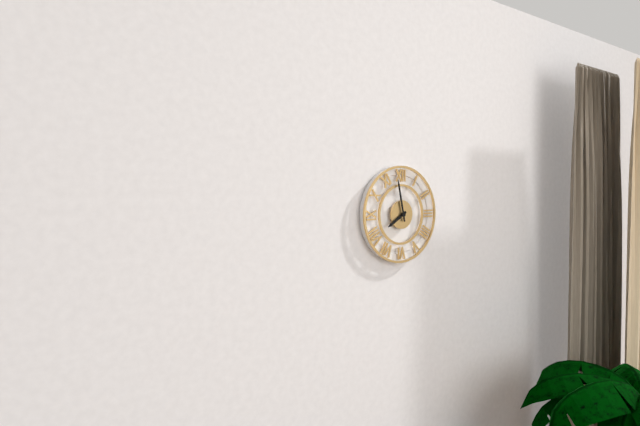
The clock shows **7:58**
